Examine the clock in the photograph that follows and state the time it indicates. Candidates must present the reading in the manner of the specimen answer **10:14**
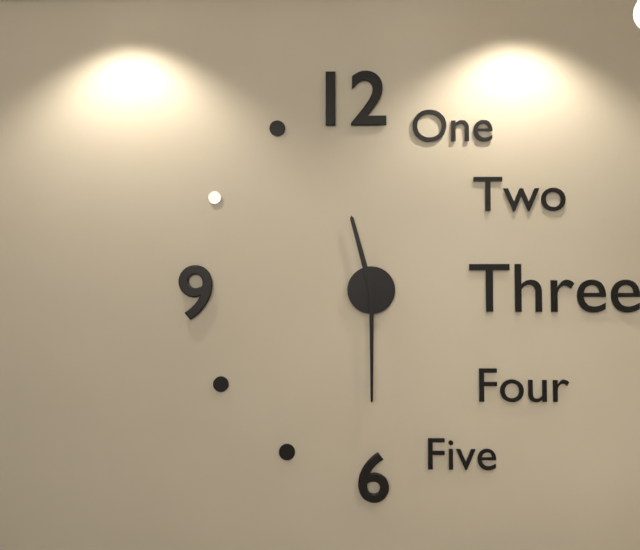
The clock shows **11:30**
